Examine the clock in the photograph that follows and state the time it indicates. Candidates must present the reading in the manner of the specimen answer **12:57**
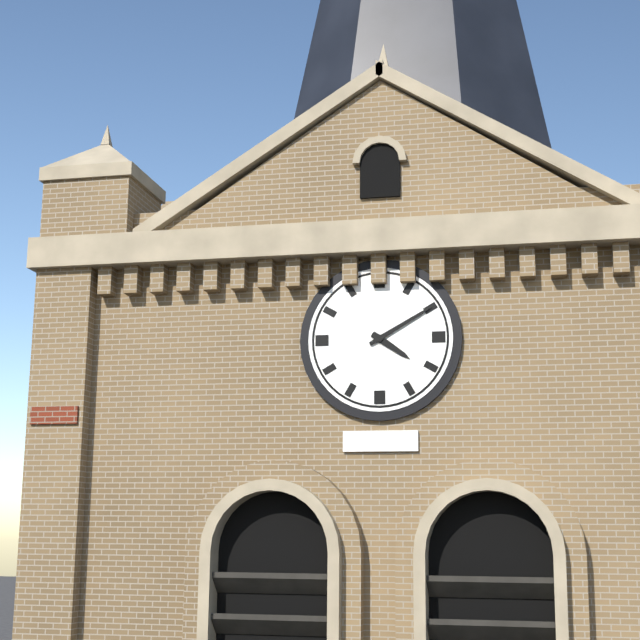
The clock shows **4:10**
